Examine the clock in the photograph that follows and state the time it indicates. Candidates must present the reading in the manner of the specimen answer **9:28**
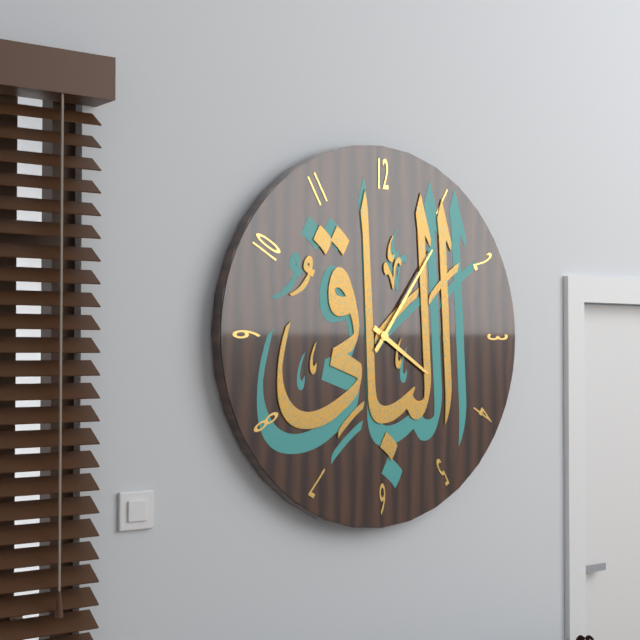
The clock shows **4:06**
